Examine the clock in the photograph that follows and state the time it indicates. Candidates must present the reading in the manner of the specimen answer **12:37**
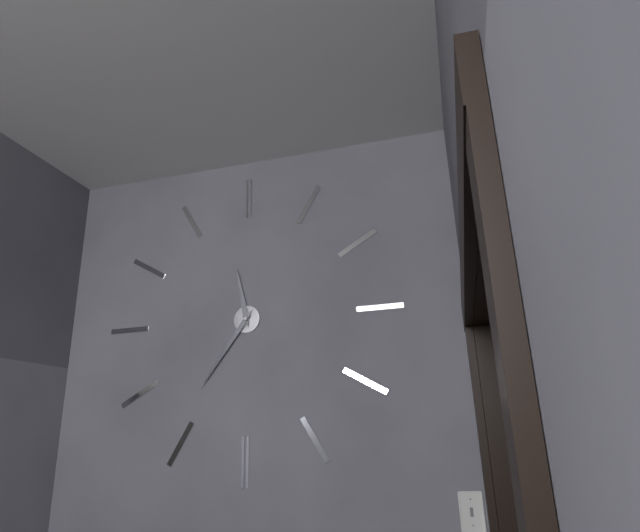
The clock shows **11:36**
